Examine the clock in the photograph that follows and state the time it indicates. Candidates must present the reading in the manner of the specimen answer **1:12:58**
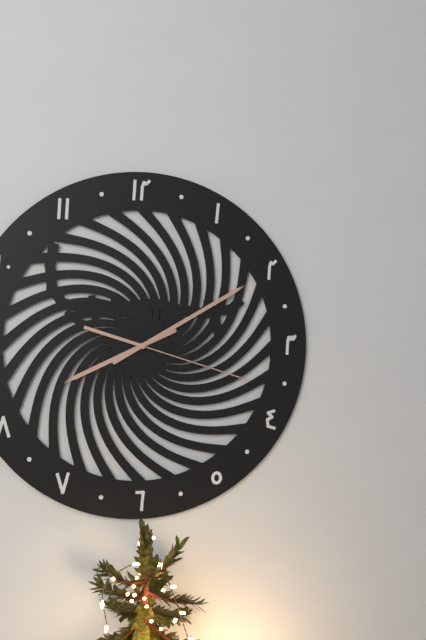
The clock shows **8:10:18**
